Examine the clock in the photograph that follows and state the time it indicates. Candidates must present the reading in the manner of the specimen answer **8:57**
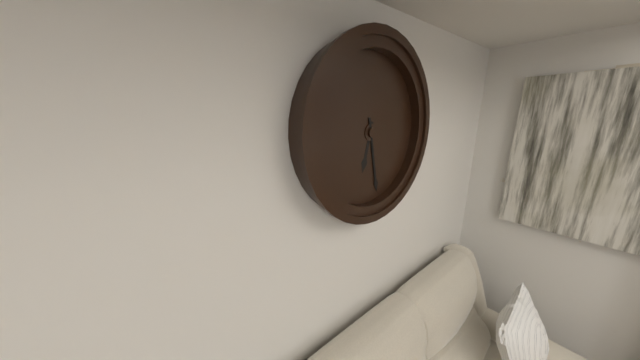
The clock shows **6:28**
